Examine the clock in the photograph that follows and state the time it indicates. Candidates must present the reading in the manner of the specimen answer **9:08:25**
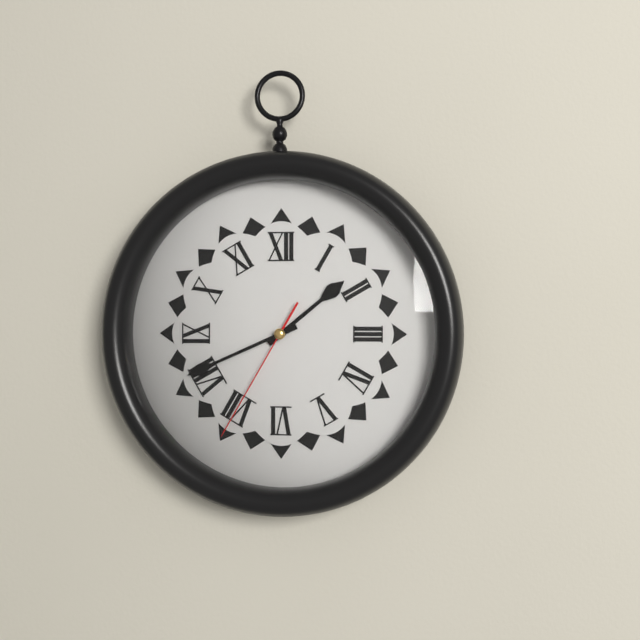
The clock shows **1:41:35**
